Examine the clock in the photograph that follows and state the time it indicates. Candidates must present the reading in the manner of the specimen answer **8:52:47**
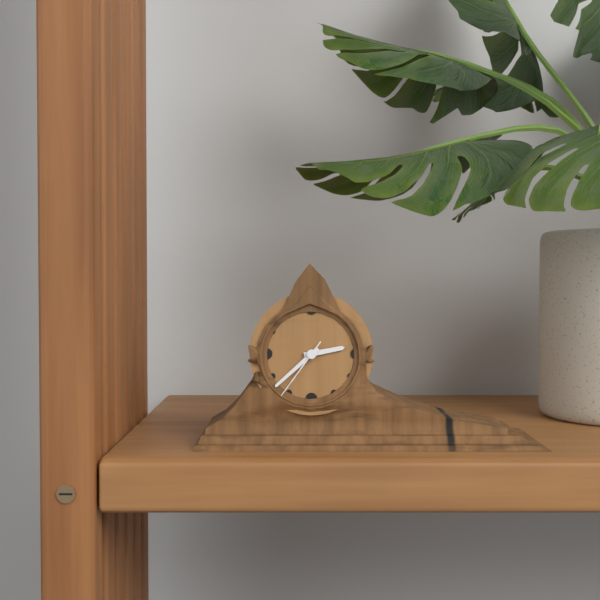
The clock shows **2:38:36**
